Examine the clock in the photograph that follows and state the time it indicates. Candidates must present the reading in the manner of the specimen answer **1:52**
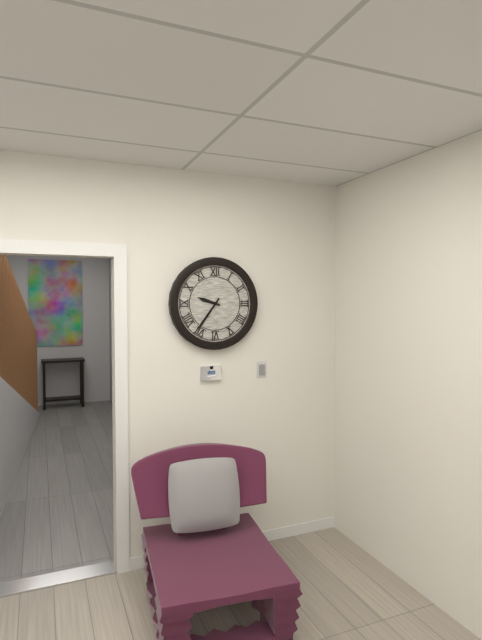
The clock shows **9:36**
